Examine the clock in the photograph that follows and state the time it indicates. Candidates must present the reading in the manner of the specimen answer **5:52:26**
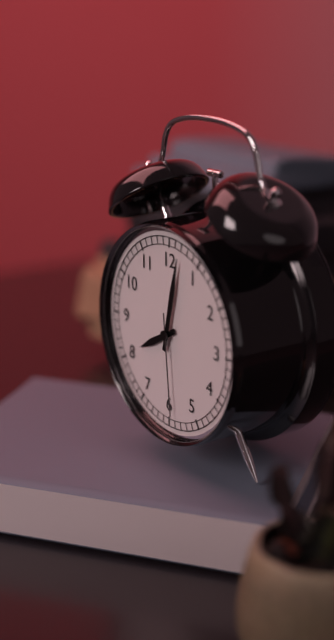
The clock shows **8:02:29**
